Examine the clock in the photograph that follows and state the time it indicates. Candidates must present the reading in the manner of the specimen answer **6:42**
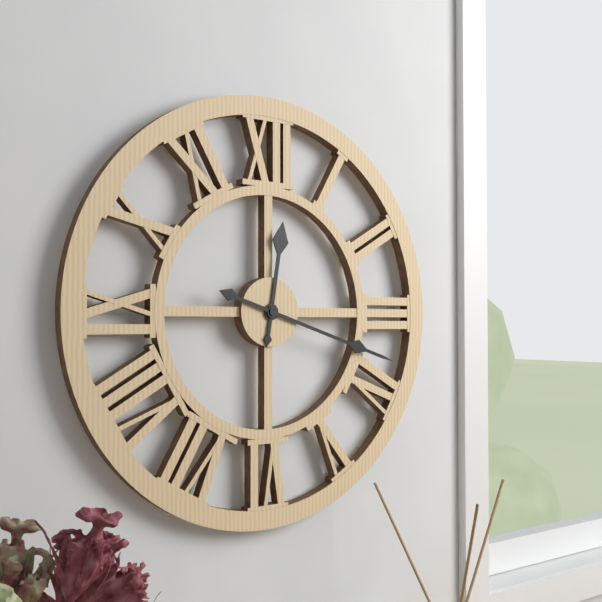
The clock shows **12:18**
